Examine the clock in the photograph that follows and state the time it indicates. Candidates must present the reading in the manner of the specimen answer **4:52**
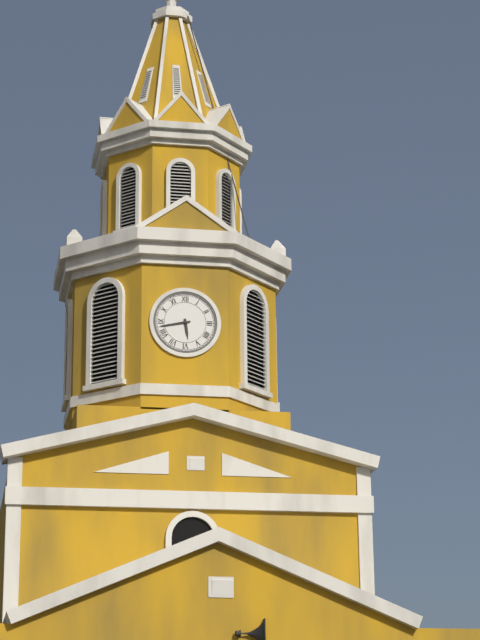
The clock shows **5:43**
